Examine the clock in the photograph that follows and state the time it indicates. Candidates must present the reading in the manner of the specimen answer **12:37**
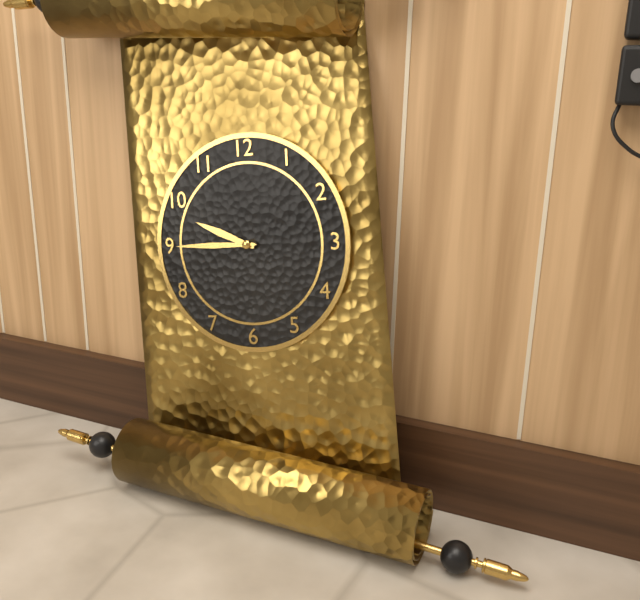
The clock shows **9:45**
